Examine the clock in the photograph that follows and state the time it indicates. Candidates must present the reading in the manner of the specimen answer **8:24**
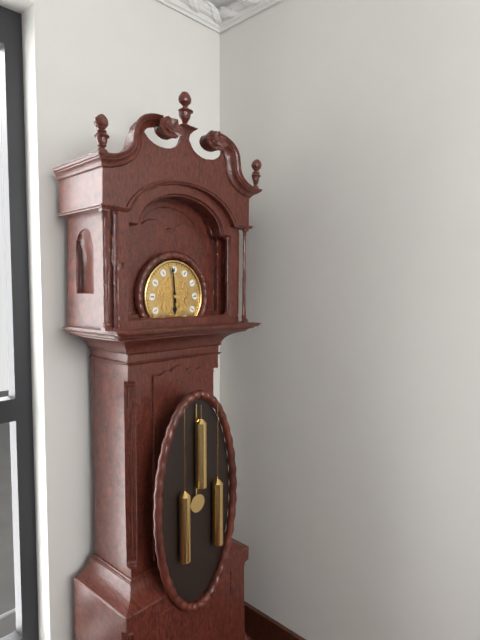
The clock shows **5:59**
